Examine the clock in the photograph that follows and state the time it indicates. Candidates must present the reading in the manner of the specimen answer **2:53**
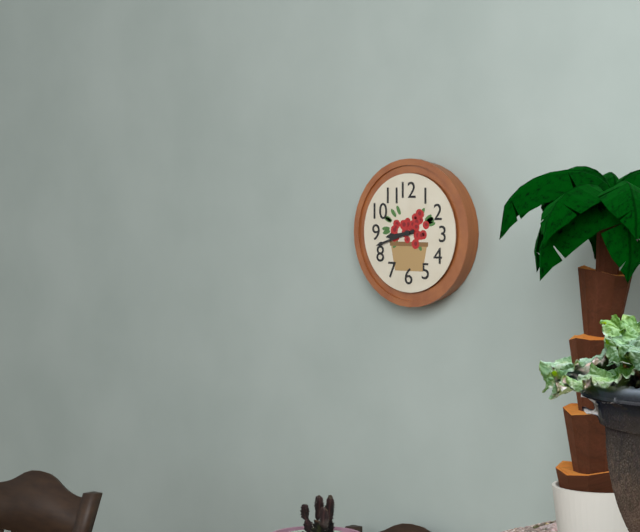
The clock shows **8:42**
